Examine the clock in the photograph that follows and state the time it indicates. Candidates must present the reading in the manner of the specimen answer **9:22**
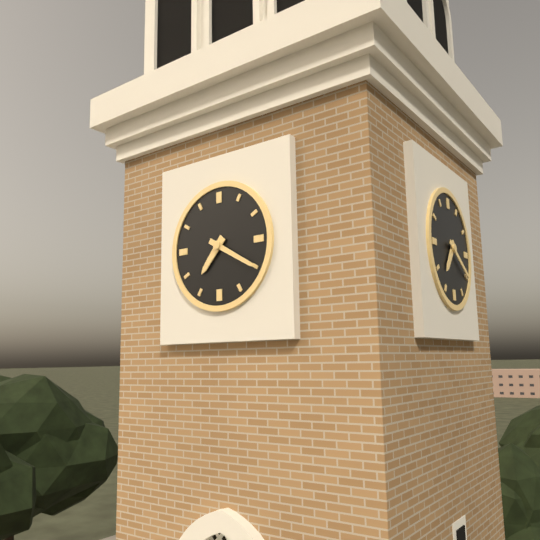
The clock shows **7:20**
